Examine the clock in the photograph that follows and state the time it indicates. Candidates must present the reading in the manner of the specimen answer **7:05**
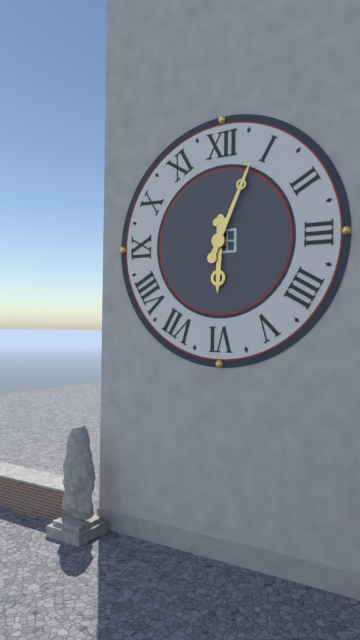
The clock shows **6:04**
